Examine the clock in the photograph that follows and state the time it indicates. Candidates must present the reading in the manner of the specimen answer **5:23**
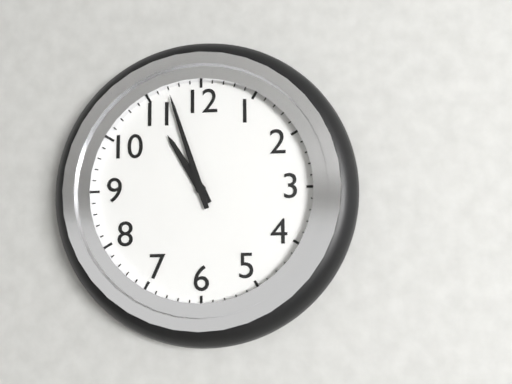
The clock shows **10:57**
